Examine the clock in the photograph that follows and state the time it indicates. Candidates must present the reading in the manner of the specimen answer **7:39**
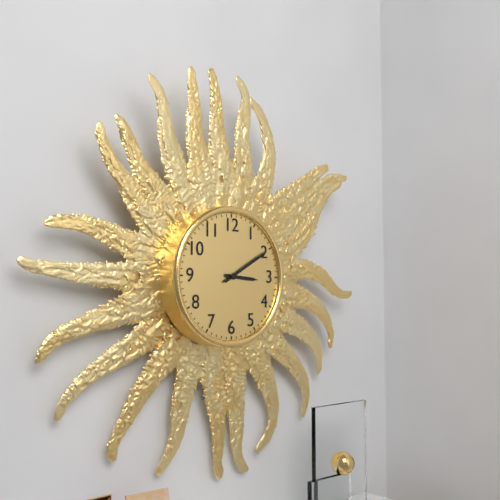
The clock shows **3:10**
